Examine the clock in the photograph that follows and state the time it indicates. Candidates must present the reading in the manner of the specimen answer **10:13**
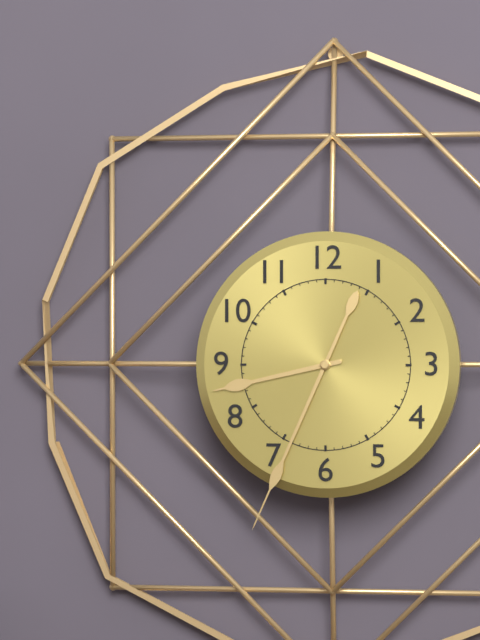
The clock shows **8:34**
